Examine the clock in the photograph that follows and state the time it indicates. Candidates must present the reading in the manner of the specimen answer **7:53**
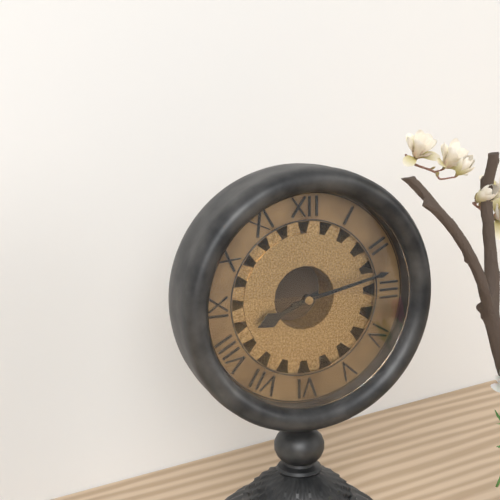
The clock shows **8:13**
